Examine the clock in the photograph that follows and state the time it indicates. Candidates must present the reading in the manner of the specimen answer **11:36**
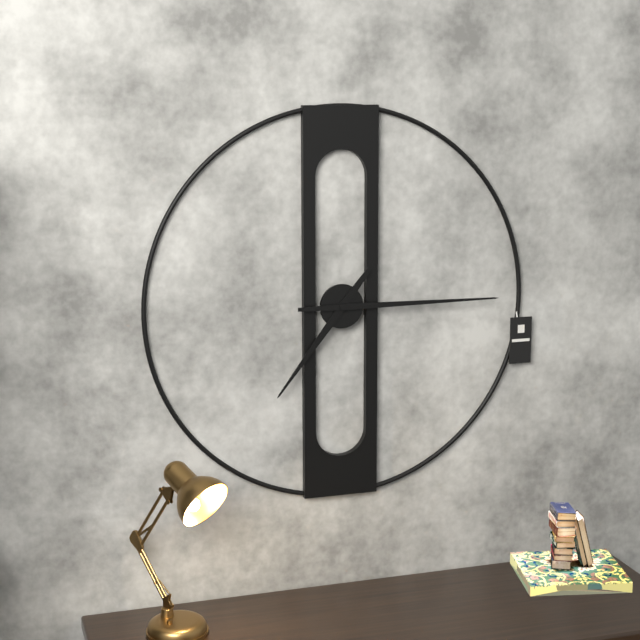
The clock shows **7:15**
